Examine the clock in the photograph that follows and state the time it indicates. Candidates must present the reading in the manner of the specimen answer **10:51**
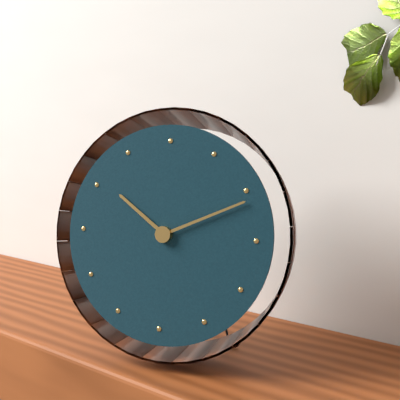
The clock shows **10:11**
